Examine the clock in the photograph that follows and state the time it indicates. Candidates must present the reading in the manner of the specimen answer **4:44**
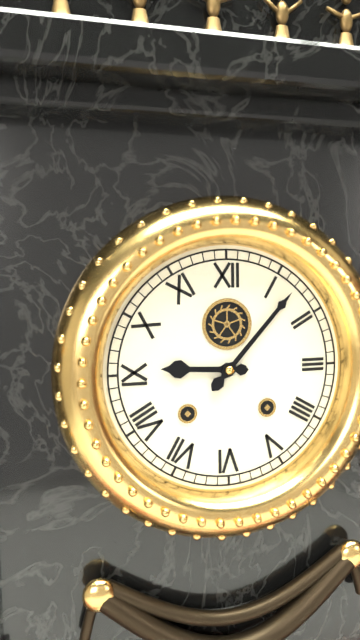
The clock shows **9:07**
